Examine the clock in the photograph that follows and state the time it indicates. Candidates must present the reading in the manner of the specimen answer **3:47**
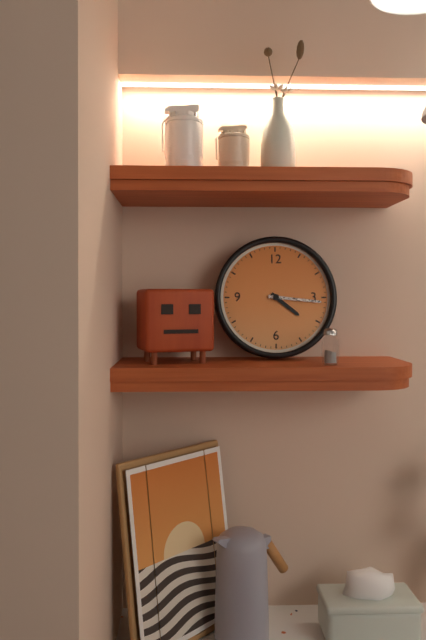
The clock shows **4:16**
